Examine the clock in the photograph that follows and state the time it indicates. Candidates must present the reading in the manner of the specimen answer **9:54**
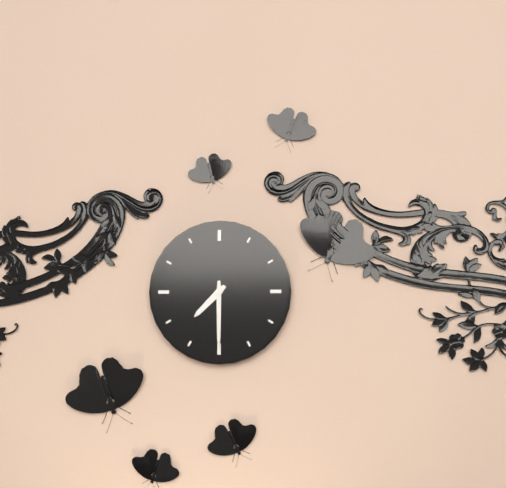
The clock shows **7:30**
